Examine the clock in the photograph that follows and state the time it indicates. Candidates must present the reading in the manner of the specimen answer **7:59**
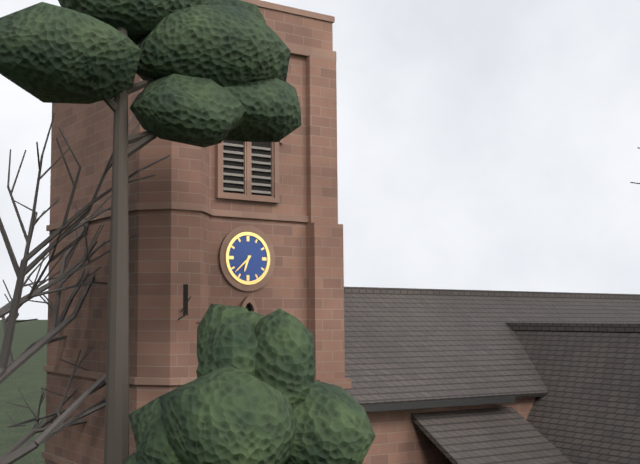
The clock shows **6:38**
